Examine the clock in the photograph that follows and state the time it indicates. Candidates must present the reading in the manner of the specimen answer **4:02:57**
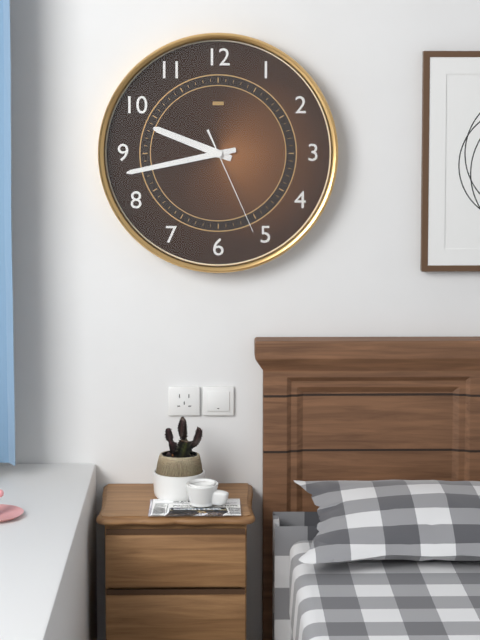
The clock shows **9:43:26**
